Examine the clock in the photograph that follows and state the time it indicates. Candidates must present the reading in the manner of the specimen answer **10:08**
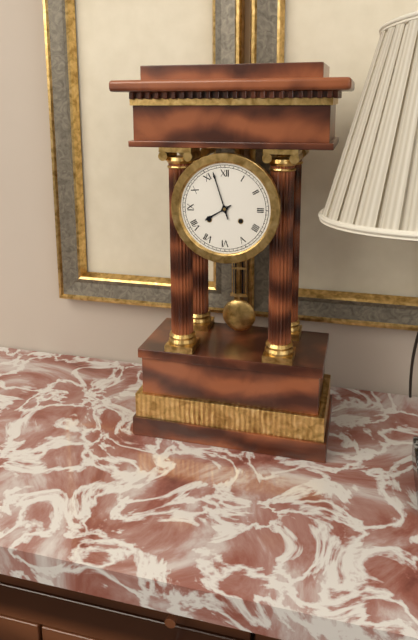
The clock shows **7:57**
